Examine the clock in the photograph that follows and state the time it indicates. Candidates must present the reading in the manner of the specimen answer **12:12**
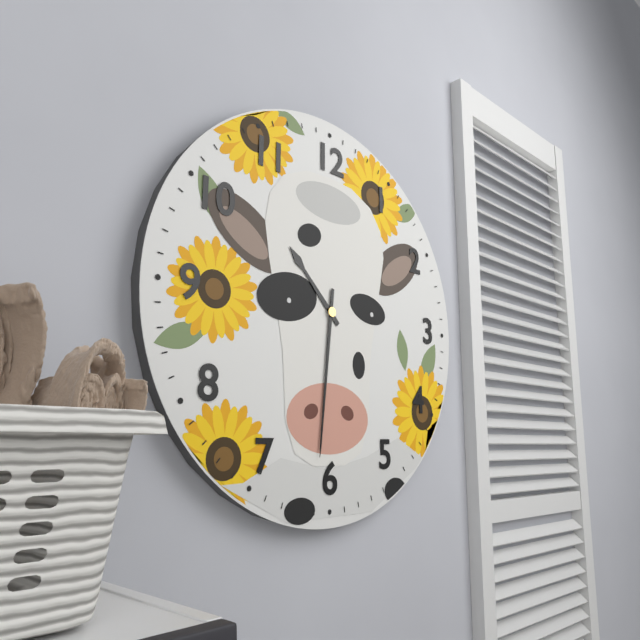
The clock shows **10:31**
